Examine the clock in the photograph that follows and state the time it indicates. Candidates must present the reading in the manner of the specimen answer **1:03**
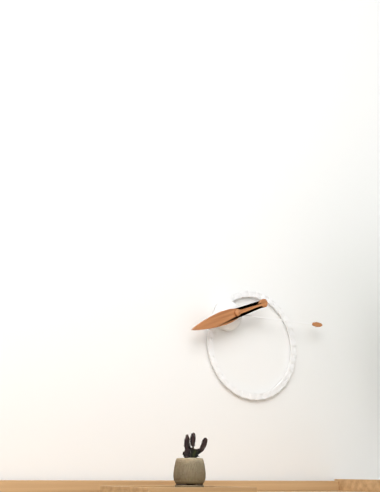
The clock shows **8:15**
